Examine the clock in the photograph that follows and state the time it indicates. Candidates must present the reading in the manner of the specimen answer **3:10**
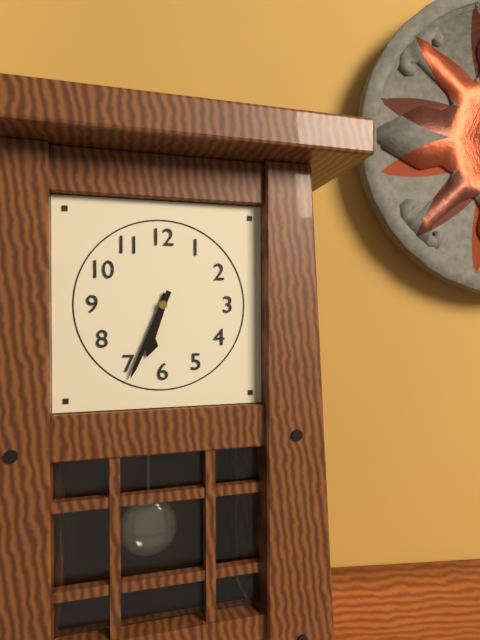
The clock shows **6:34**
